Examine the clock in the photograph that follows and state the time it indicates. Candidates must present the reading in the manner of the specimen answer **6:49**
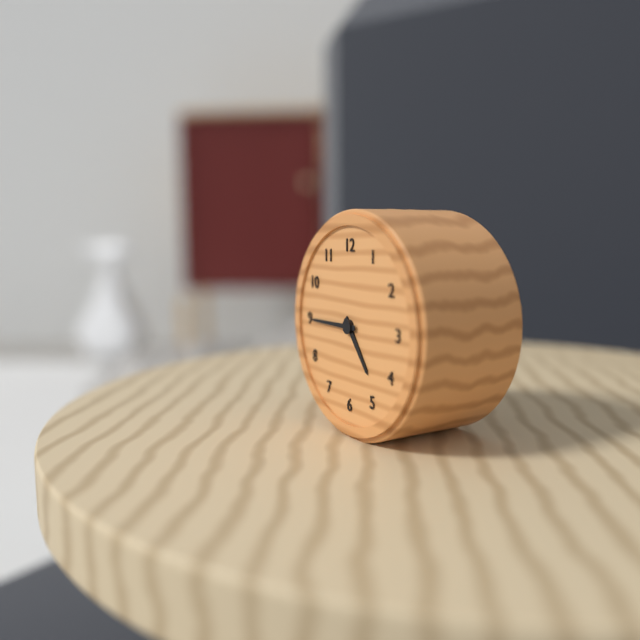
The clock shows **4:45**
